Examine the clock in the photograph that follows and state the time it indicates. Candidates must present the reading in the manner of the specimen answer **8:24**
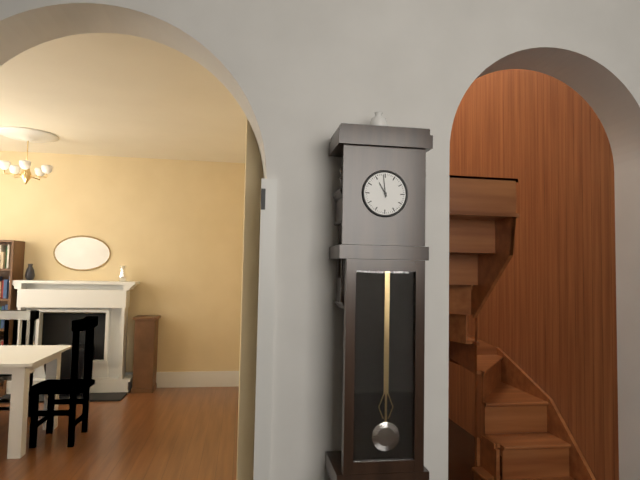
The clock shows **10:59**
